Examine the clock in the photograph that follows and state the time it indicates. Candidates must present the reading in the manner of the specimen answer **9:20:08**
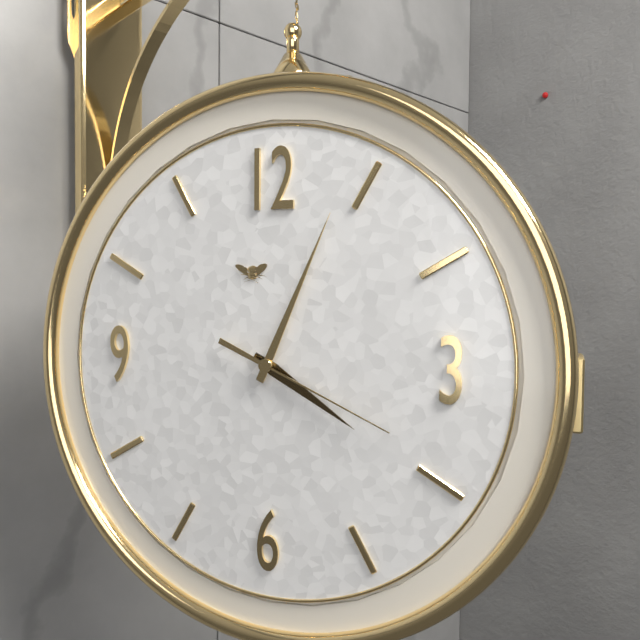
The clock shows **4:04:19**
